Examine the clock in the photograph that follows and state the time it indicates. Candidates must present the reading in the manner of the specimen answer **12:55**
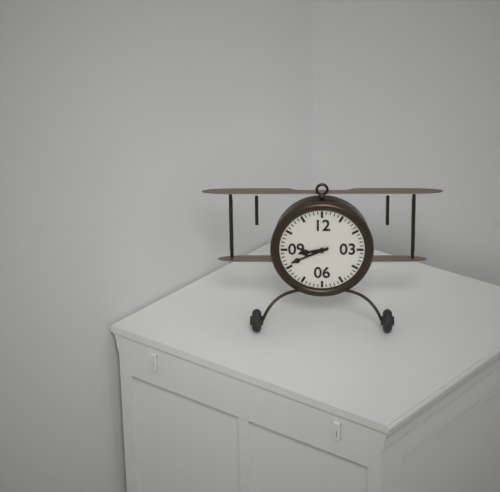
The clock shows **8:41**
